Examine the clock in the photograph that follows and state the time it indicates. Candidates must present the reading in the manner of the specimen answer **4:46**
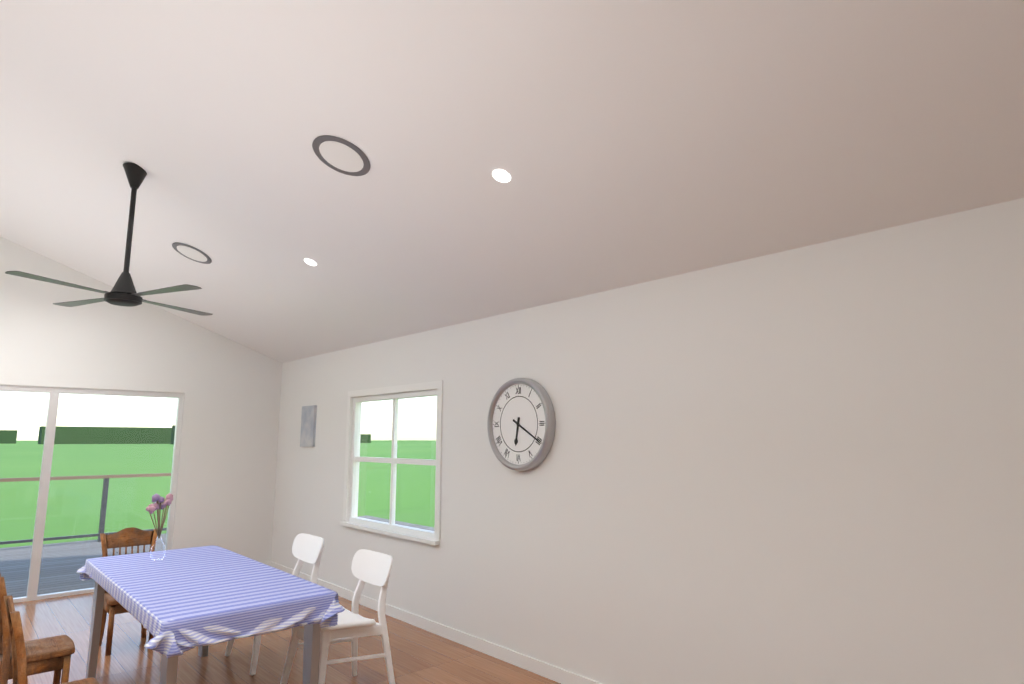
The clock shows **6:20**
